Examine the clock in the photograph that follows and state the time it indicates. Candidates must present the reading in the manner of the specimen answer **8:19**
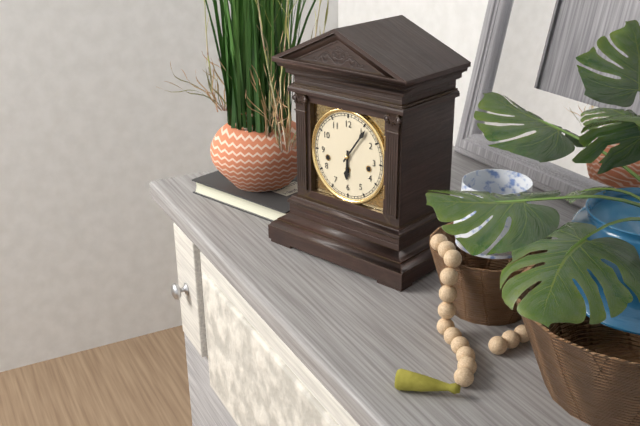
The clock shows **6:06**
